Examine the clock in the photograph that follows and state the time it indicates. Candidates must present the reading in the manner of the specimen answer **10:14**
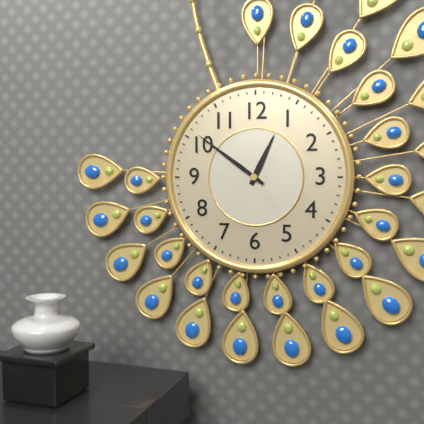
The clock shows **12:51**
